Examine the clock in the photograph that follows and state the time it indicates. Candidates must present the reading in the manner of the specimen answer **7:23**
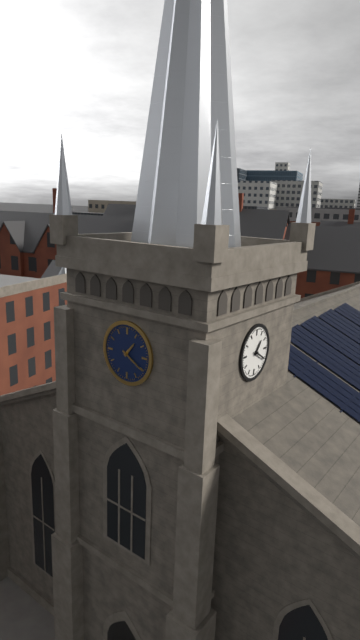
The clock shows **1:20**
